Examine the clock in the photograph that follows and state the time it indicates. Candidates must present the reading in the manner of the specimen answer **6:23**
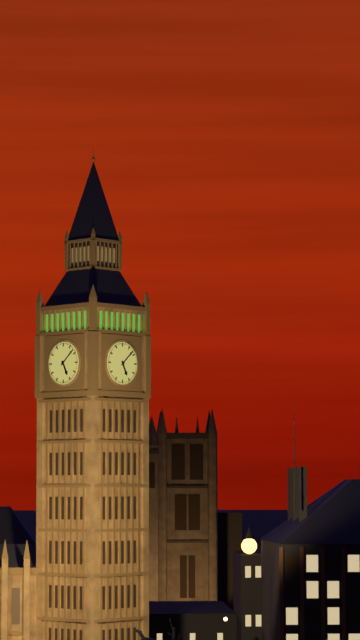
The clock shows **5:08**
